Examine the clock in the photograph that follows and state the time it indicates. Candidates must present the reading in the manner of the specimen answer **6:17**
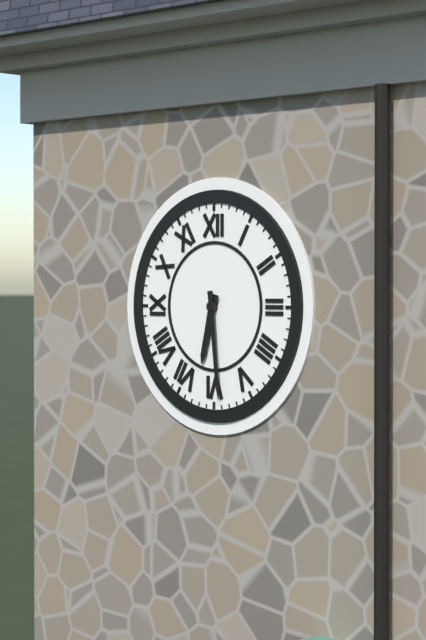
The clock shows **6:29**
